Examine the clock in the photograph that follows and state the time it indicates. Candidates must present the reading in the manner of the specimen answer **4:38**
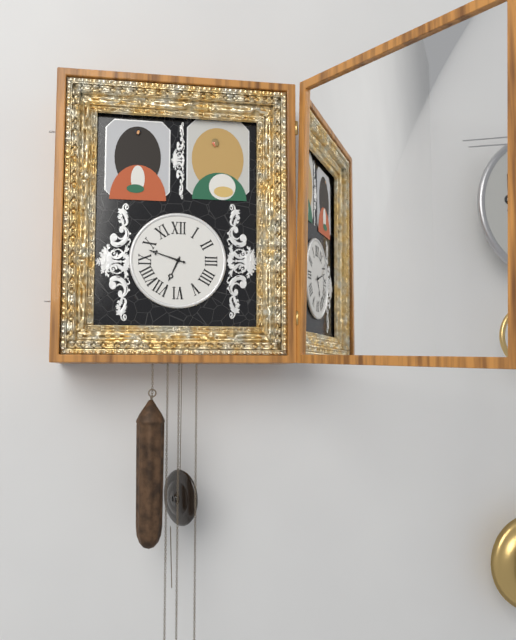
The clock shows **6:48**
